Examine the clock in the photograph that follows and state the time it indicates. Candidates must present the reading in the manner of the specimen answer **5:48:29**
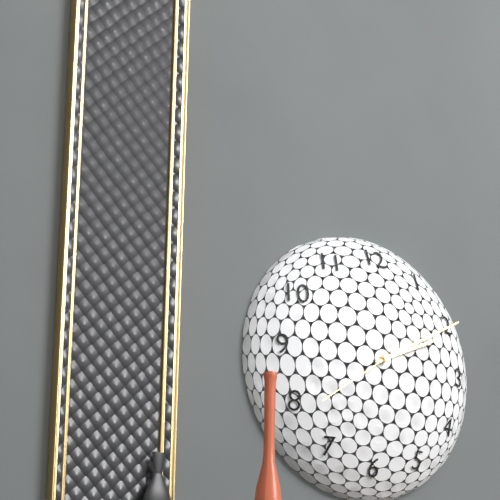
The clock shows **2:10:39**
